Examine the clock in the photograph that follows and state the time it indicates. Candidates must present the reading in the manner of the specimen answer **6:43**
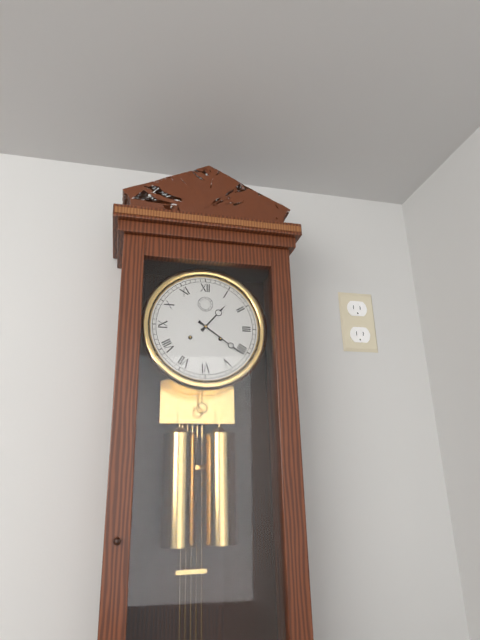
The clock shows **1:21**
